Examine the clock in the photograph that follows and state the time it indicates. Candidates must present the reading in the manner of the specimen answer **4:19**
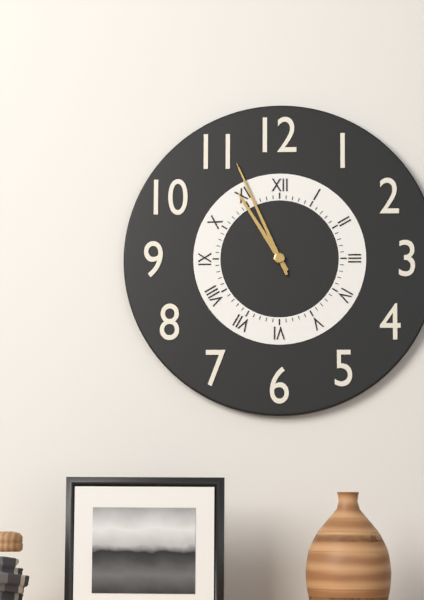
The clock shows **10:56**
